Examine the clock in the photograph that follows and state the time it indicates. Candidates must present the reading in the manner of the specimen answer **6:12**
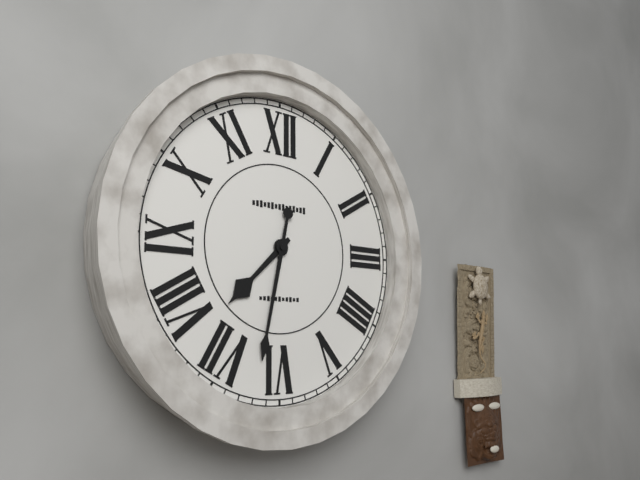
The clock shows **7:32**
